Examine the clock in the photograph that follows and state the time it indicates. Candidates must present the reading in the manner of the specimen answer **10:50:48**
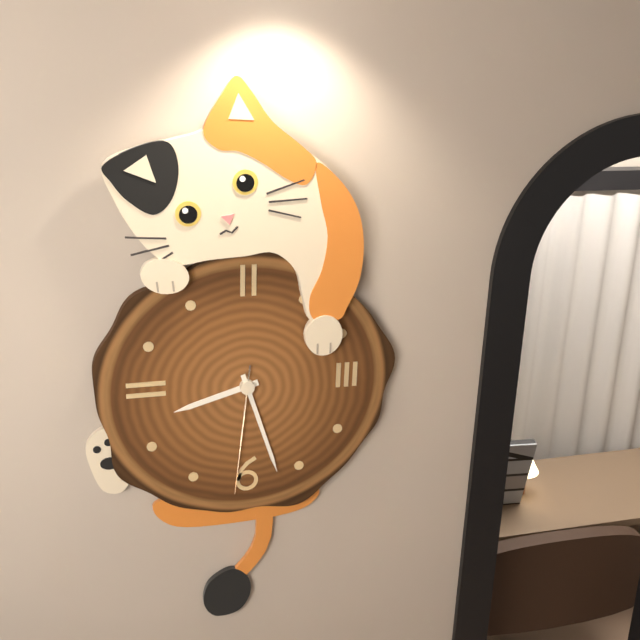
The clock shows **8:27:31**
